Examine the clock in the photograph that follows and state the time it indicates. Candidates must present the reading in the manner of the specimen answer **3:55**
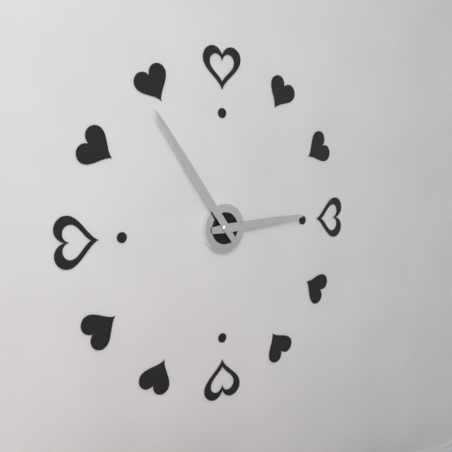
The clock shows **2:54**
